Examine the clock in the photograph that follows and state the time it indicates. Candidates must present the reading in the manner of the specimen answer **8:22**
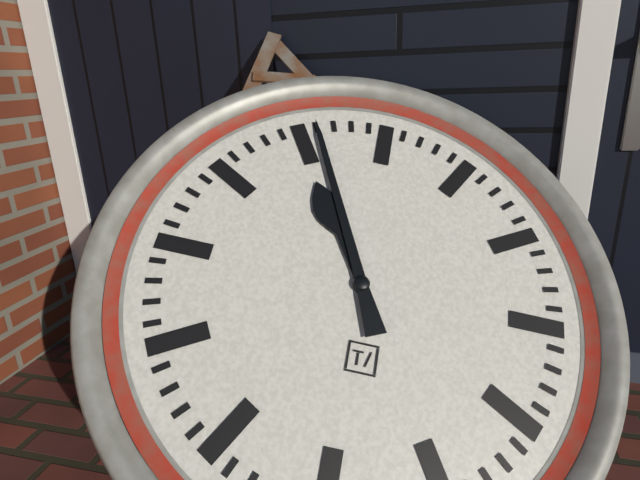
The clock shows **10:56**
